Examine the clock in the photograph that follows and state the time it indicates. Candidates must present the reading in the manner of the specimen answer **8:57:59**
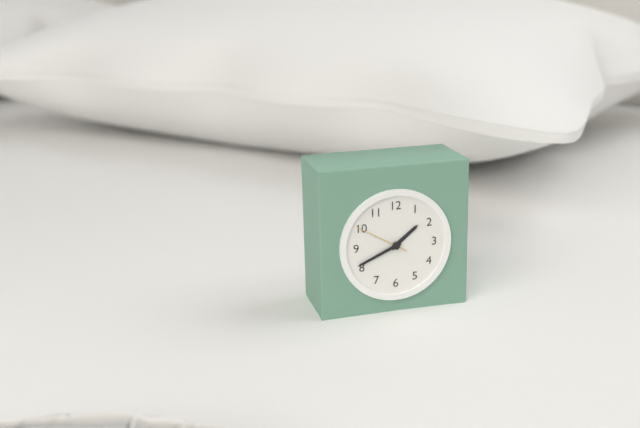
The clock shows **1:41:50**
